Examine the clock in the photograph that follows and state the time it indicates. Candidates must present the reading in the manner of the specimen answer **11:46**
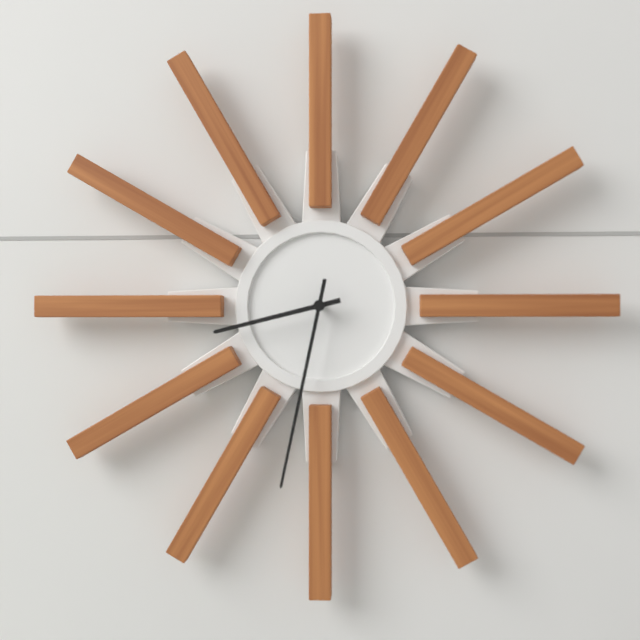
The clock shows **8:32**
